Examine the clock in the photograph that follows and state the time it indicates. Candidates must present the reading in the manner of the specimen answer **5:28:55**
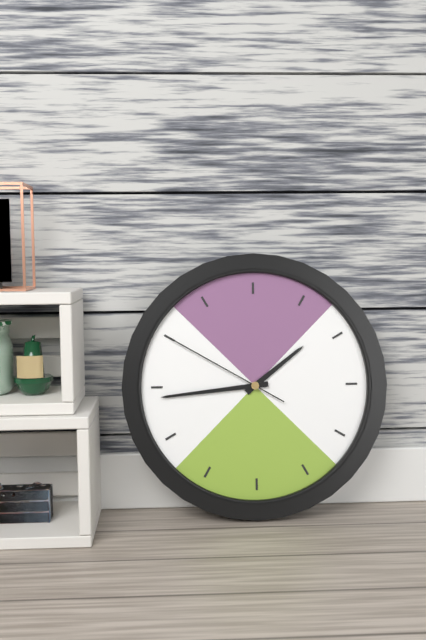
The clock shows **1:44:50**
